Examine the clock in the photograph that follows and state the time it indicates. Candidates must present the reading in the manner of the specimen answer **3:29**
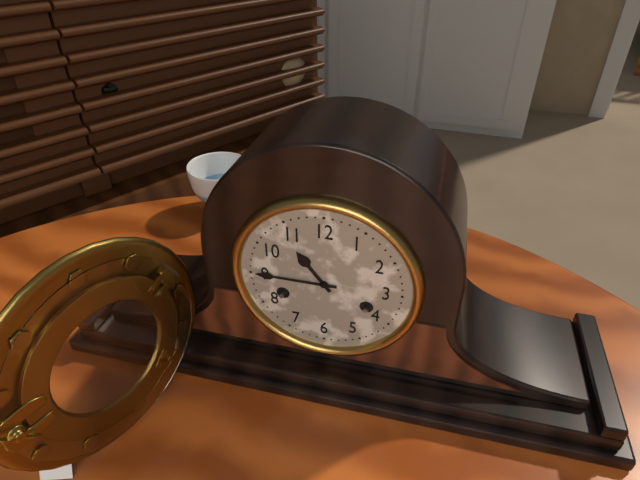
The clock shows **10:45**
